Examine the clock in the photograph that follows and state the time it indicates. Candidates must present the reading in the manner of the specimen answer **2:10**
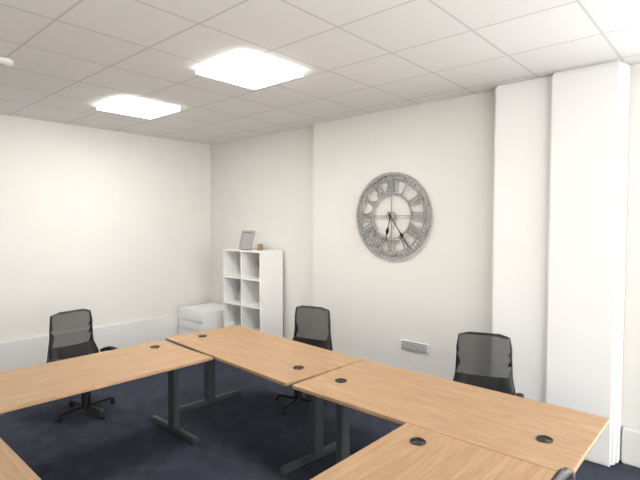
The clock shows **6:24**
